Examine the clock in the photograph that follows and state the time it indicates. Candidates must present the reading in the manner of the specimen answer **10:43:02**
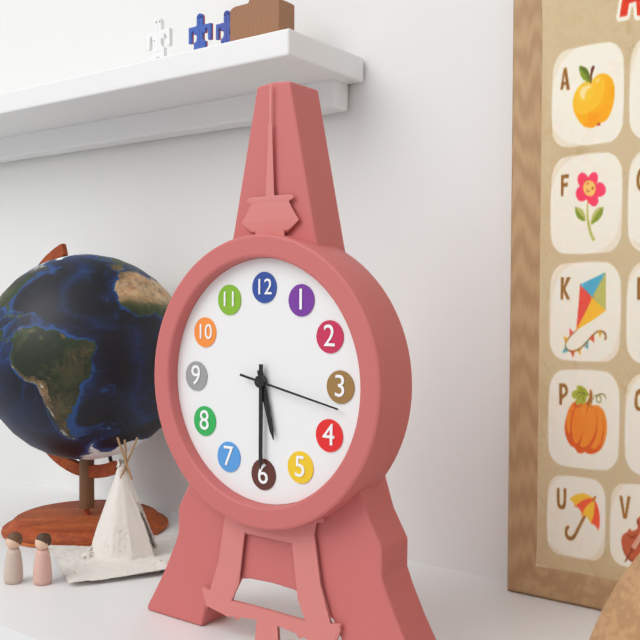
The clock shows **5:30:17**
